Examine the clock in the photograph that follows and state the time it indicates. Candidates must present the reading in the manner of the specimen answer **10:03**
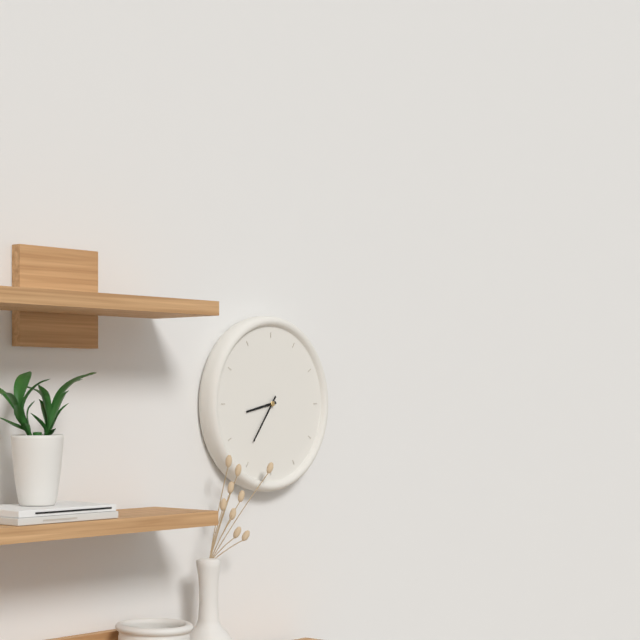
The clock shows **8:36**
